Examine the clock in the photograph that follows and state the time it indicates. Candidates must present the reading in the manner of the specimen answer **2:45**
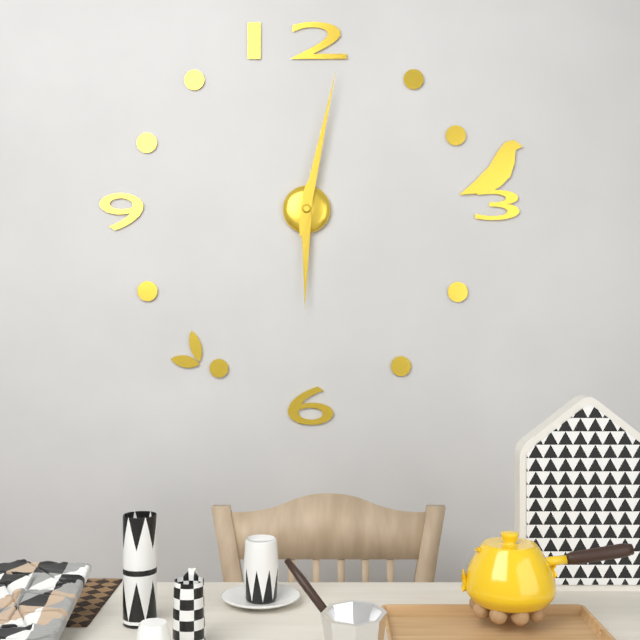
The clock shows **6:02**
